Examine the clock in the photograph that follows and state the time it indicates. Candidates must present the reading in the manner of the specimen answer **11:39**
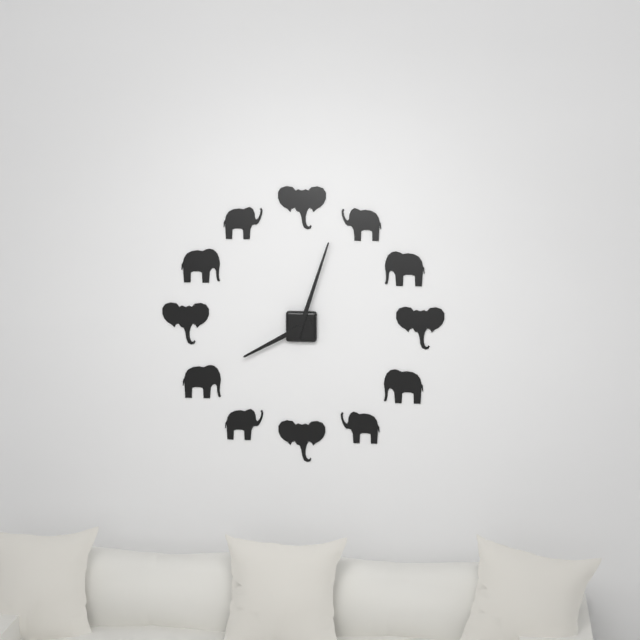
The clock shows **8:03**
